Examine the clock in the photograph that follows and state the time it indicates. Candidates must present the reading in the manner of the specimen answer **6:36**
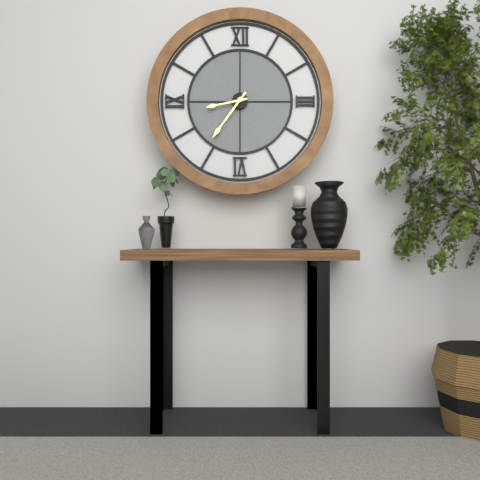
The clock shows **8:36**
